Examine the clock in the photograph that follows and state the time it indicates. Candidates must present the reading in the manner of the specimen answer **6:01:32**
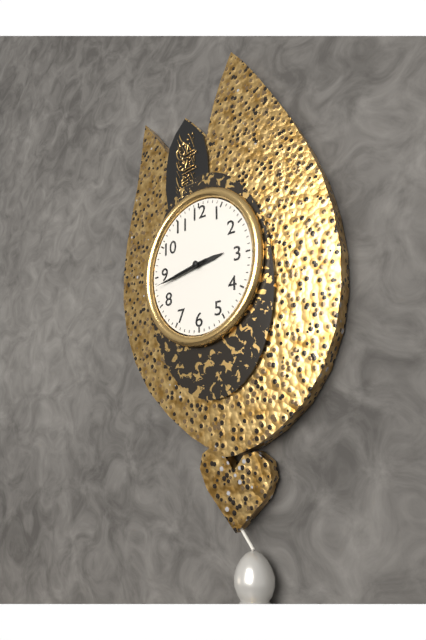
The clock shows **2:43:43**
